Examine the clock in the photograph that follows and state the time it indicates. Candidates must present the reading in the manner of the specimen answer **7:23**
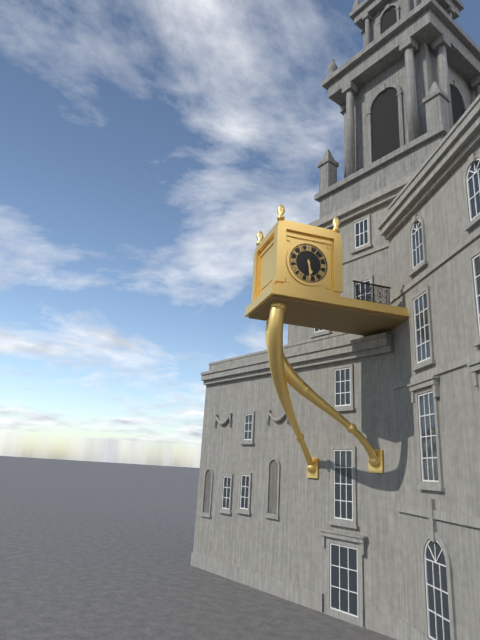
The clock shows **5:29**
